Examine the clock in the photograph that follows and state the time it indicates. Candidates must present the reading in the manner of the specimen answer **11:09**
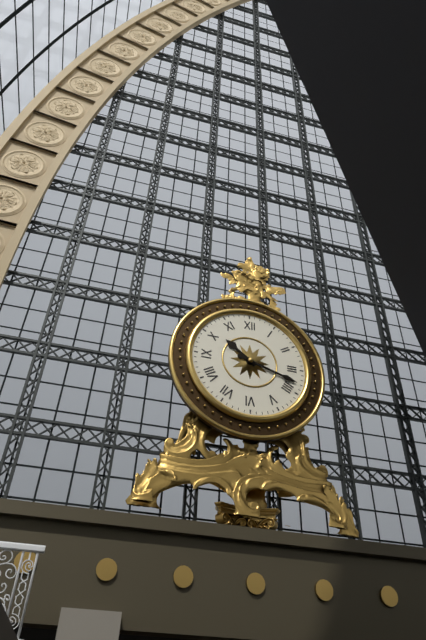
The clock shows **10:18**
